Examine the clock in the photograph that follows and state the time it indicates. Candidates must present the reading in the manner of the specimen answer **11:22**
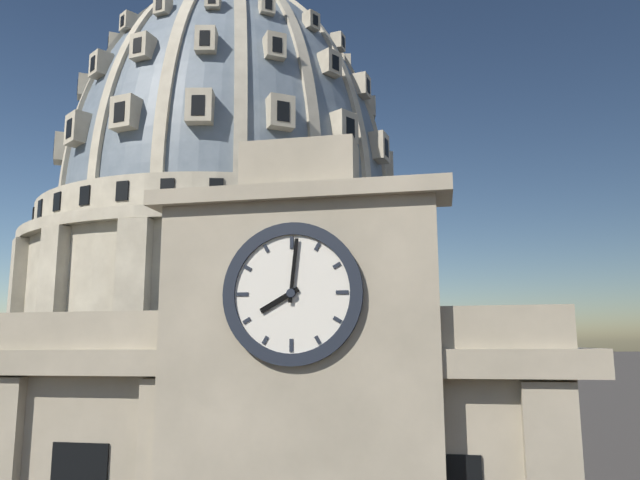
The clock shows **8:01**
